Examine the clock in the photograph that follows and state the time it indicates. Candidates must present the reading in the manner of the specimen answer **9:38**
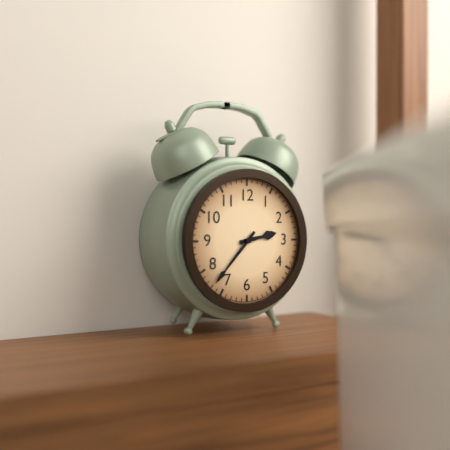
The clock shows **2:37**
